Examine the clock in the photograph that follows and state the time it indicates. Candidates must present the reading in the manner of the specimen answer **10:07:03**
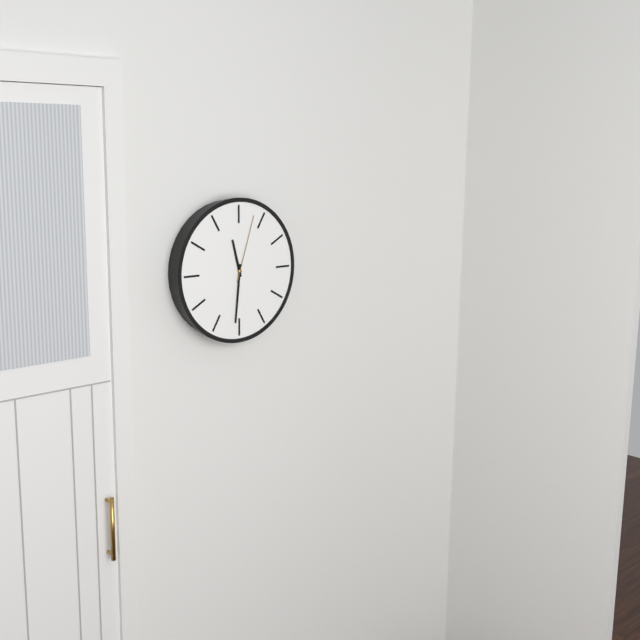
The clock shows **11:31:03**
